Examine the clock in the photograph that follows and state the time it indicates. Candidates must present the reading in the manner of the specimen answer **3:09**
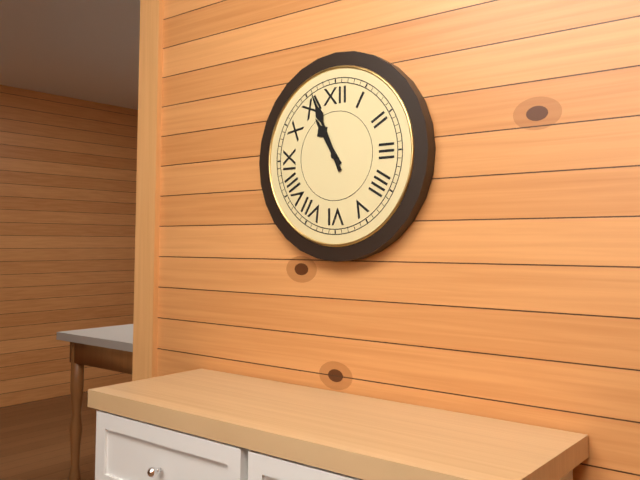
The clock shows **10:56**
